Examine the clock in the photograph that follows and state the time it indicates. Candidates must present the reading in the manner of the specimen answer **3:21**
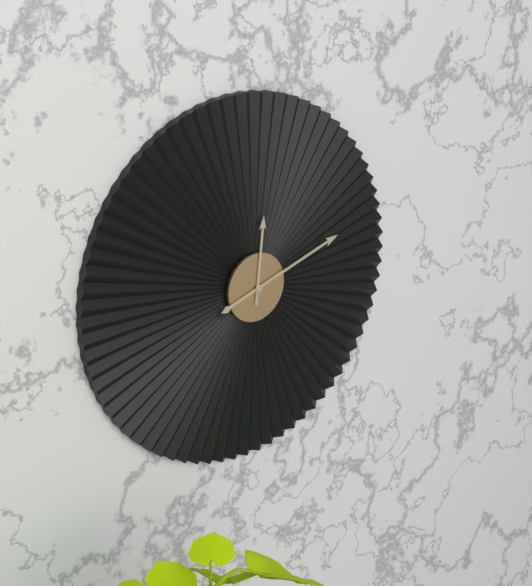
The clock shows **12:12**
